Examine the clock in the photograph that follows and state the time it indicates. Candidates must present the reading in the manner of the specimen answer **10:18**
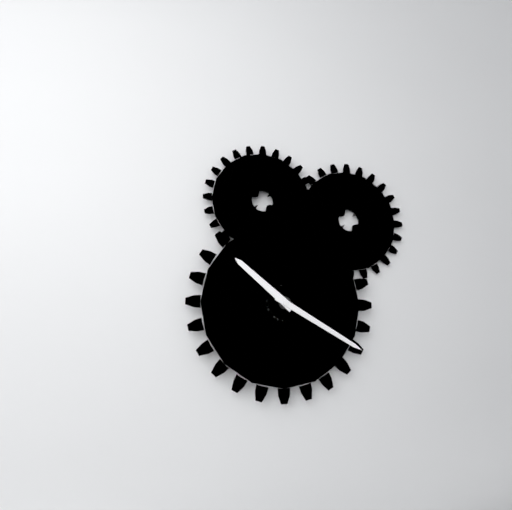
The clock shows **10:20**
